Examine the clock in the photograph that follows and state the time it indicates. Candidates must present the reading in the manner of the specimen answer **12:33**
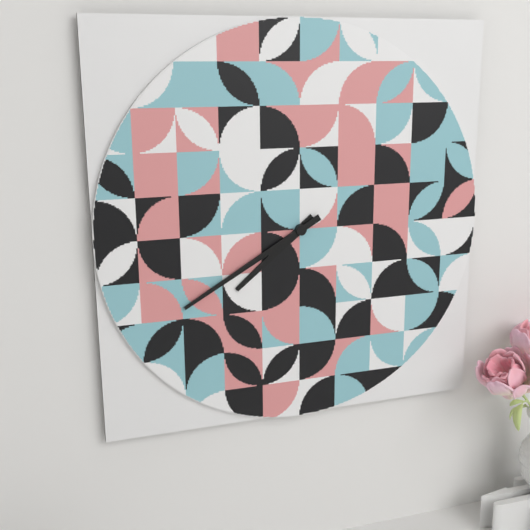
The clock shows **7:40**
